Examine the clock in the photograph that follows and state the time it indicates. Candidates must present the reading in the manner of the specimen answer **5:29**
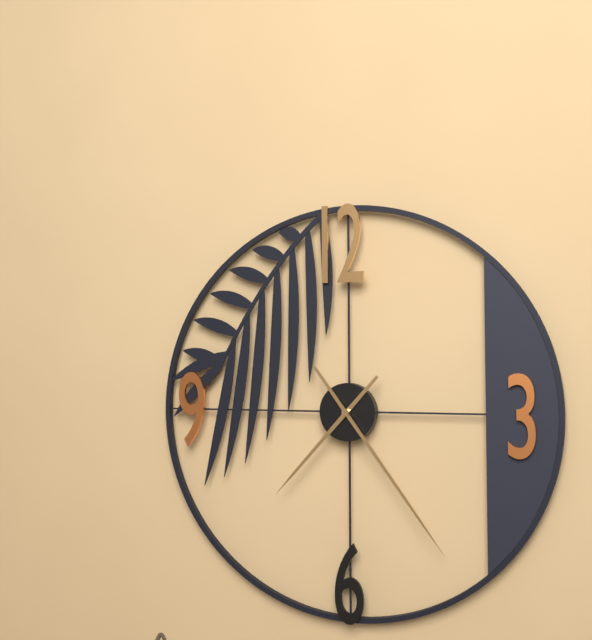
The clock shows **7:24**
